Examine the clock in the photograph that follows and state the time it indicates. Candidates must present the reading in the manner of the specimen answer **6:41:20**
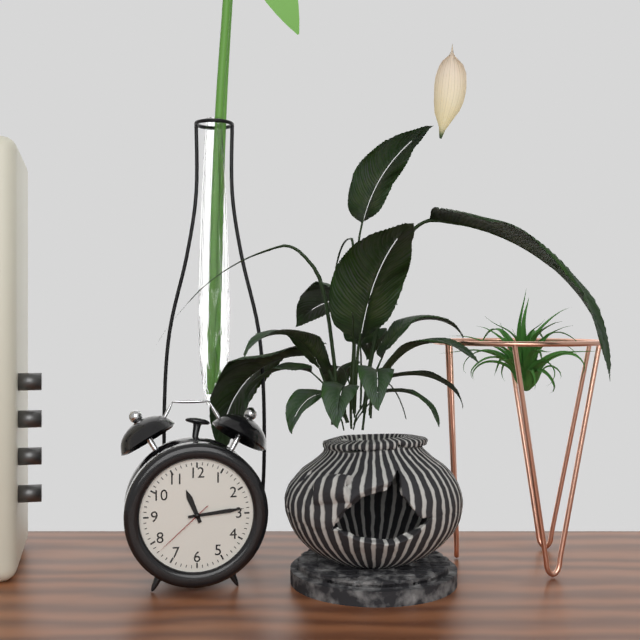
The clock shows **11:14:38**
